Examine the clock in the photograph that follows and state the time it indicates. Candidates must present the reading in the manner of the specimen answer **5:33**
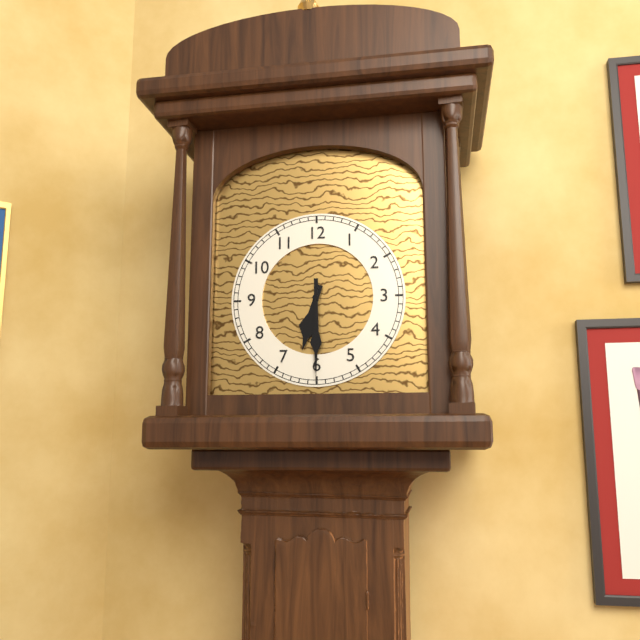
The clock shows **6:30**
